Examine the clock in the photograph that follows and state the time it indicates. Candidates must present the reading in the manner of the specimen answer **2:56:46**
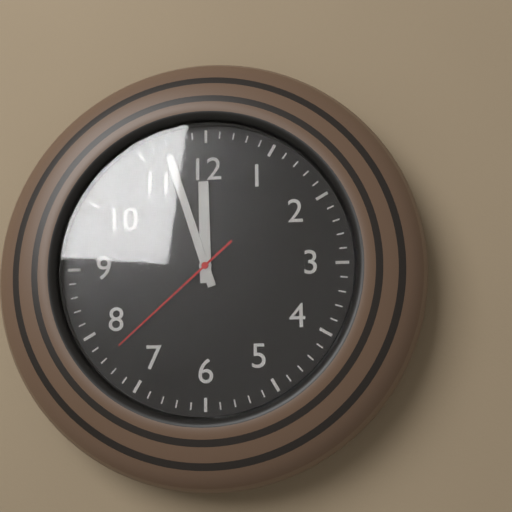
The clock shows **11:57:38**
